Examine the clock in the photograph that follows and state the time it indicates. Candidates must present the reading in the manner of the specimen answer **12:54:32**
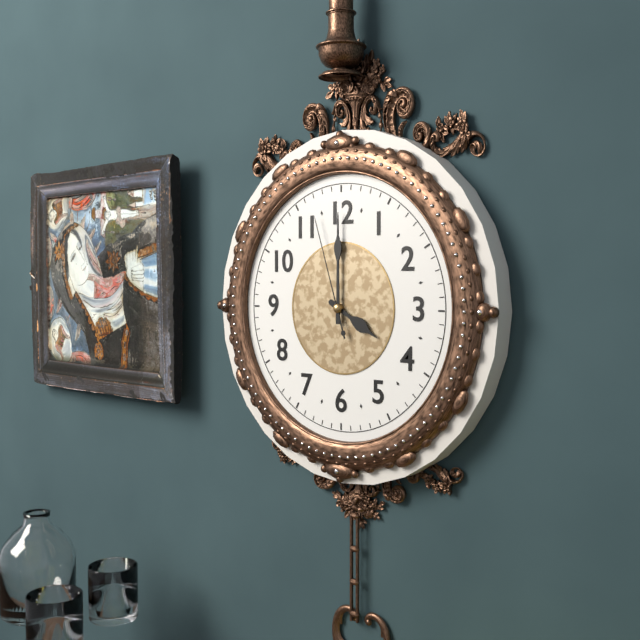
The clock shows **4:00:57**
